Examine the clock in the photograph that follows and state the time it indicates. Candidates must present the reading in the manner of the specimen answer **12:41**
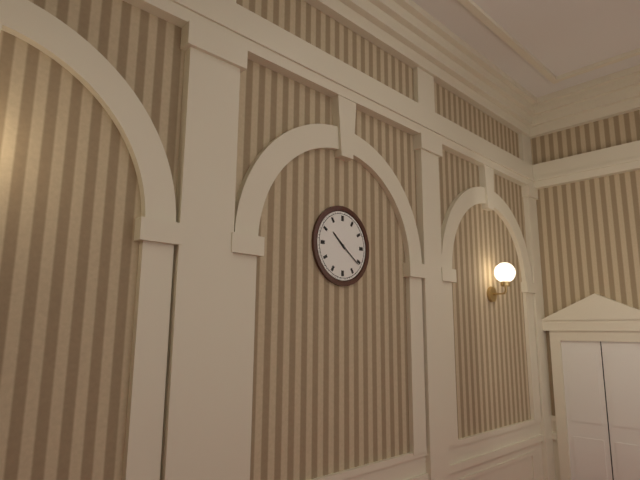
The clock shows **10:21**
